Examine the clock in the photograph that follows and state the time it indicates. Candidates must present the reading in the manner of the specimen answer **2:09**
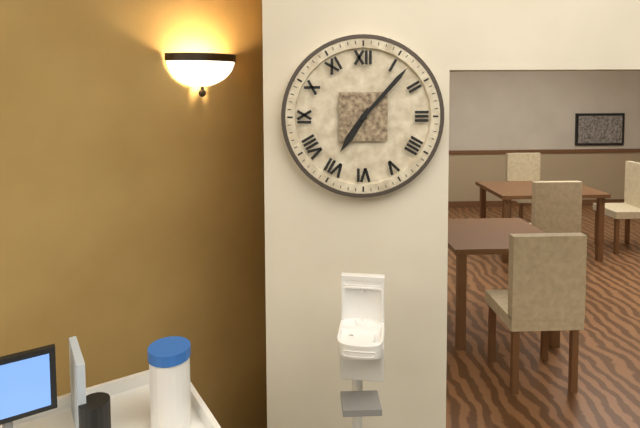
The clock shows **7:07**
